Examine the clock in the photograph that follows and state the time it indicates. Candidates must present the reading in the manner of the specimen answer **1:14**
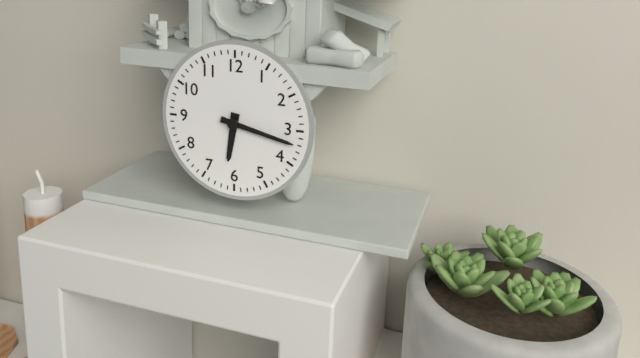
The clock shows **6:17**
